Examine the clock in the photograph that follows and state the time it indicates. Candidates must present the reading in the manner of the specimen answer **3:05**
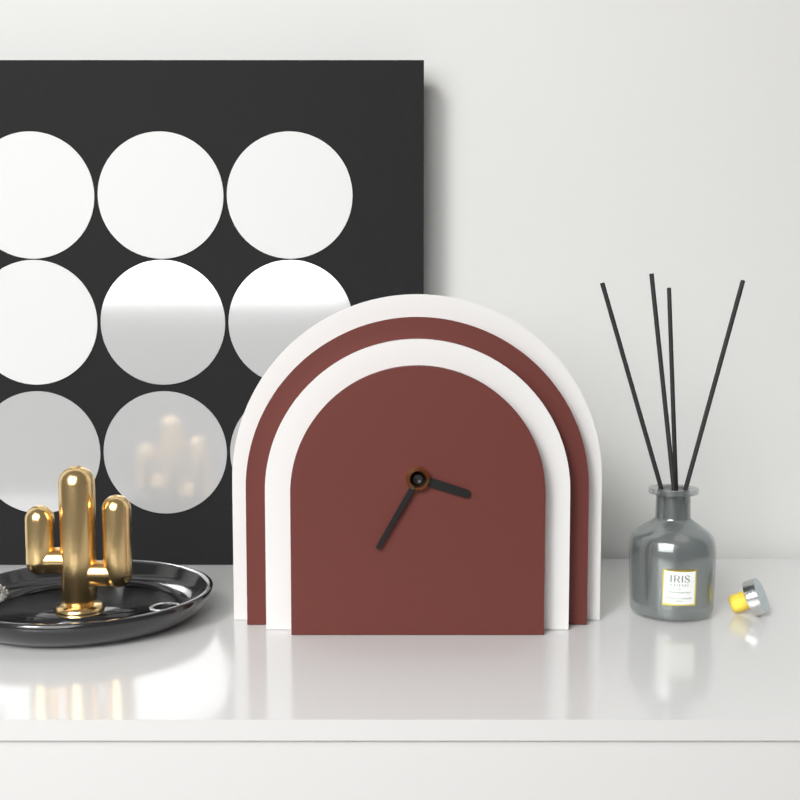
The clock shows **3:35**
